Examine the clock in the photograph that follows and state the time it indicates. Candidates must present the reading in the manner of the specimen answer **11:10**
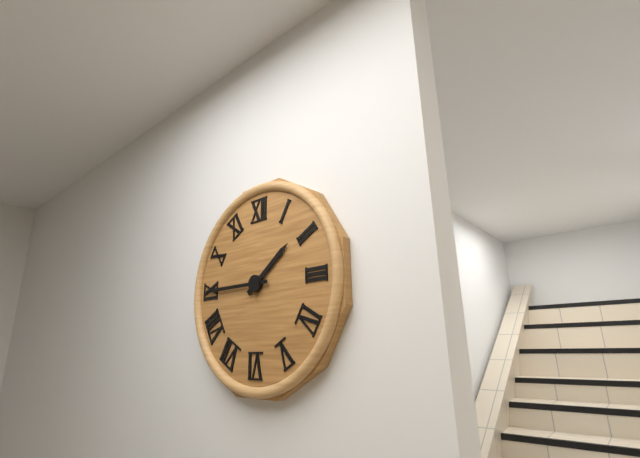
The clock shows **1:45**
